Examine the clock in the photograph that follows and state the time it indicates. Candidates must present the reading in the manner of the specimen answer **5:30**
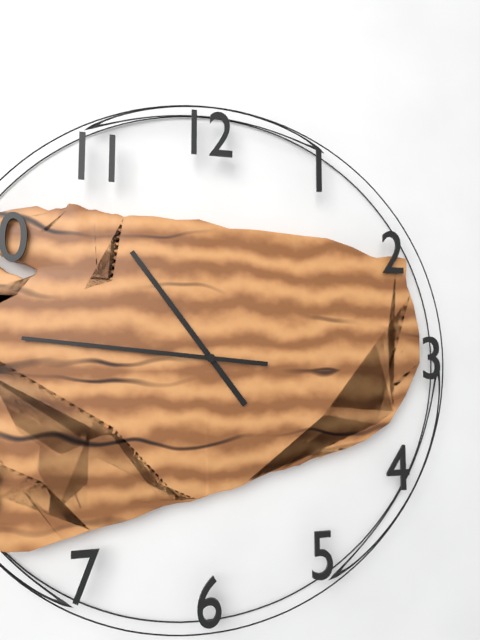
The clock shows **10:46**
